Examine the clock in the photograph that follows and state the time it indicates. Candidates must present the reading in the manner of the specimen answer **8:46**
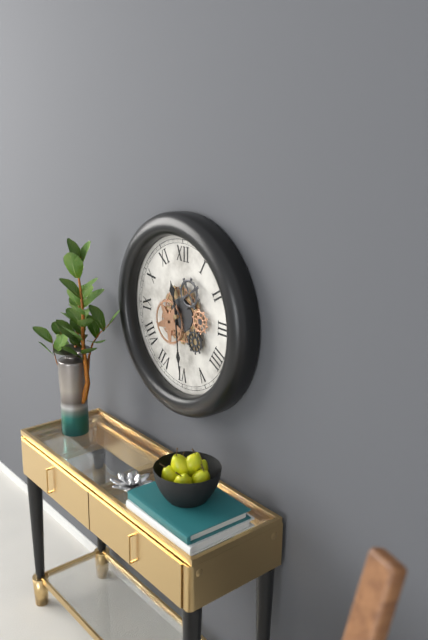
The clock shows **11:29**
